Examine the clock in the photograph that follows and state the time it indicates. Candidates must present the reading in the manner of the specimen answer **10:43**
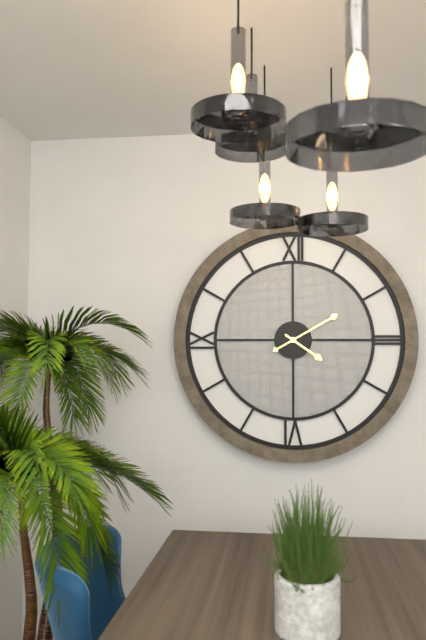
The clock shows **4:10**
